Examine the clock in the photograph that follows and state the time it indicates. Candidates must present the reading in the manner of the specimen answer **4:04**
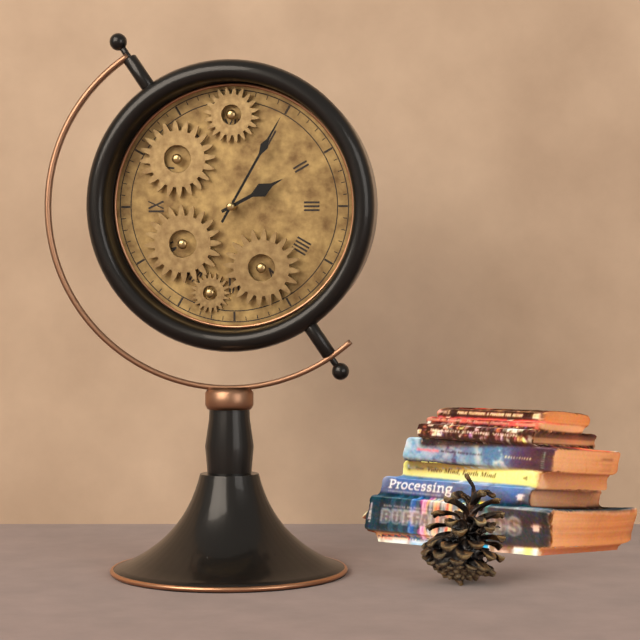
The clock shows **2:05**
